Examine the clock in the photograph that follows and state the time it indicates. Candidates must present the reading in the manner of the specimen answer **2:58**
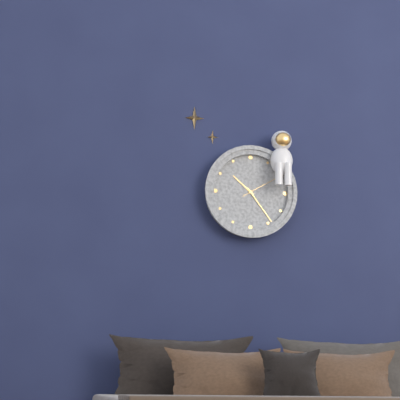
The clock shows **10:24**
